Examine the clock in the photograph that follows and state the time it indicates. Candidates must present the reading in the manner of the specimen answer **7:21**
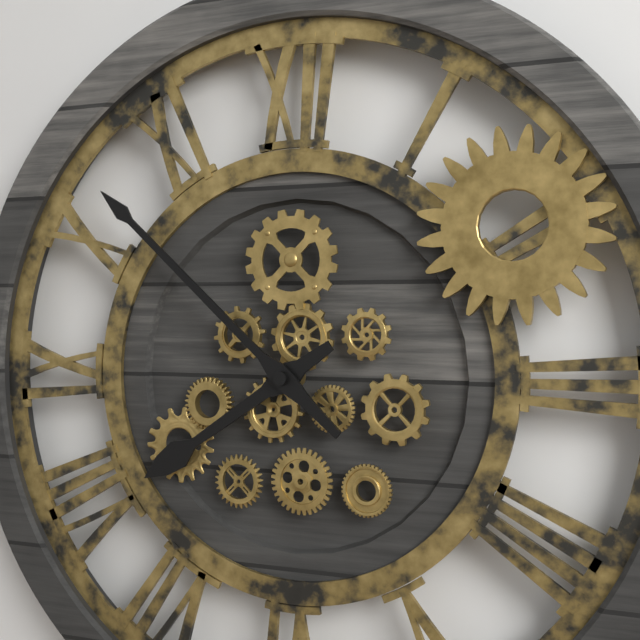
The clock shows **7:52**
